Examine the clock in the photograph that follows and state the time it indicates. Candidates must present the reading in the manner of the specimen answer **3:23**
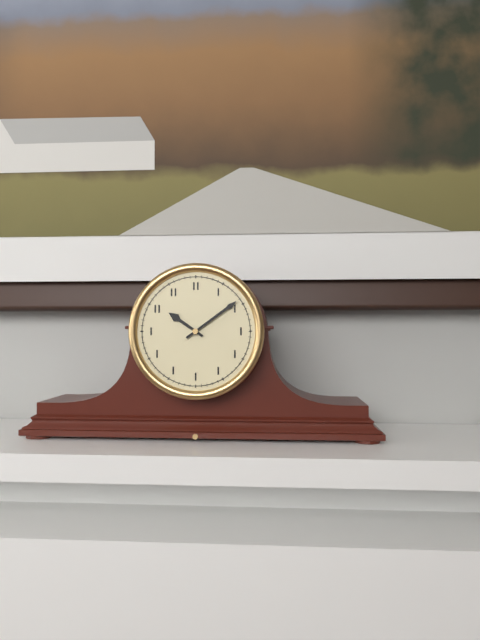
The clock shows **10:09**
